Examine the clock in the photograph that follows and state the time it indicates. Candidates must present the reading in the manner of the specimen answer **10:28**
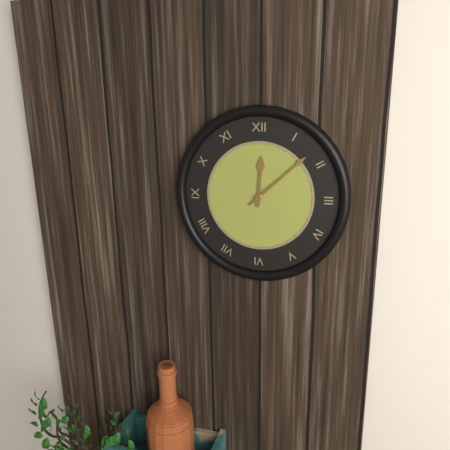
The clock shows **12:08**
